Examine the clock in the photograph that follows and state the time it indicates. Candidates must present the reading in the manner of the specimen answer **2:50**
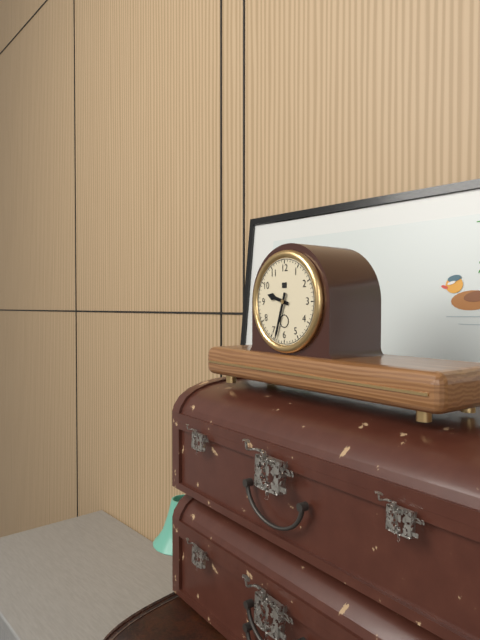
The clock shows **9:33**
